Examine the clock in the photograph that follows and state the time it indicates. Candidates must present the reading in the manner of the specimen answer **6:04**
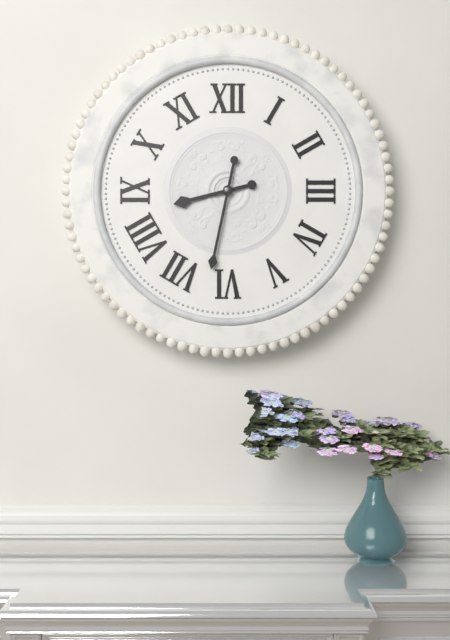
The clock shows **8:32**
